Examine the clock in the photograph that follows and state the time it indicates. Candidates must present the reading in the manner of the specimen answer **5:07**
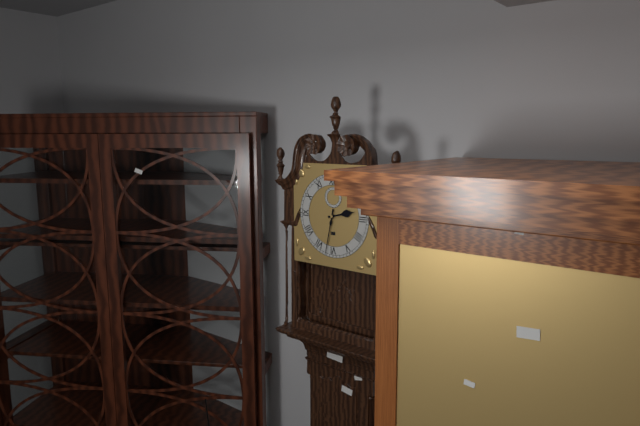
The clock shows **2:32**
